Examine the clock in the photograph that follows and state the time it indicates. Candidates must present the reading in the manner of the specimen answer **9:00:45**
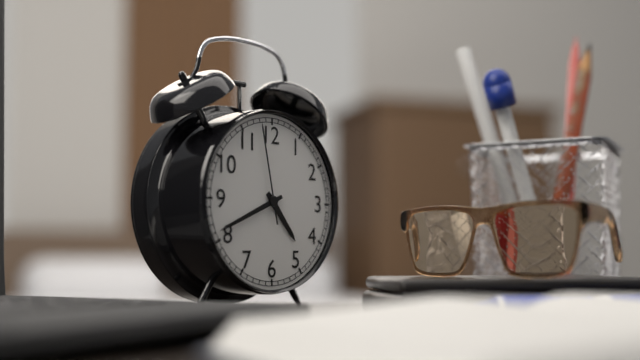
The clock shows **4:41:58**
